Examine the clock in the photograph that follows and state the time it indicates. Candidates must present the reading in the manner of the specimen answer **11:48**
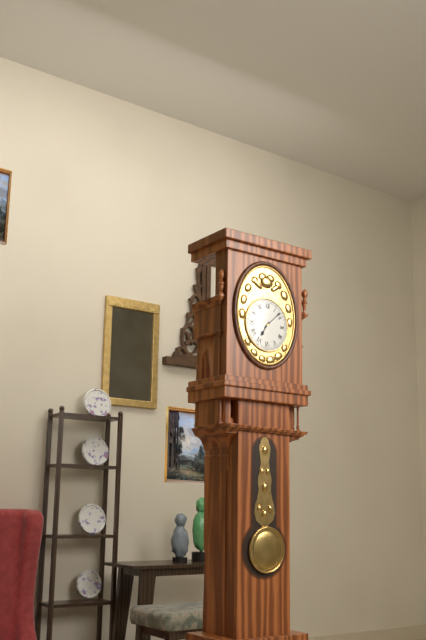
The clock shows **7:08**
